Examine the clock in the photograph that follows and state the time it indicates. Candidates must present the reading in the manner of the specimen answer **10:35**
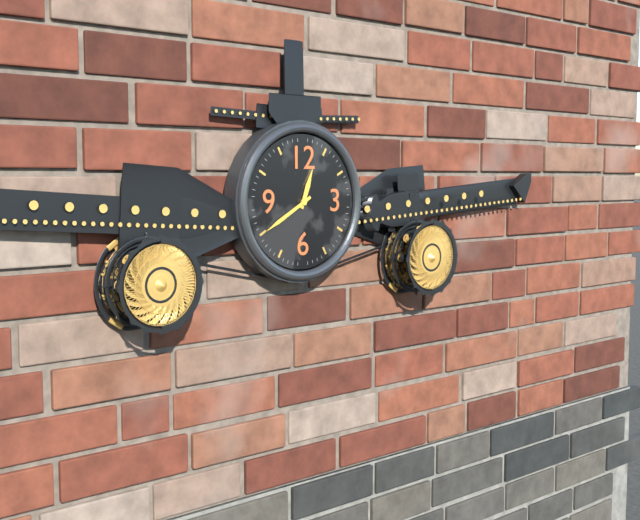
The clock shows **12:40**
